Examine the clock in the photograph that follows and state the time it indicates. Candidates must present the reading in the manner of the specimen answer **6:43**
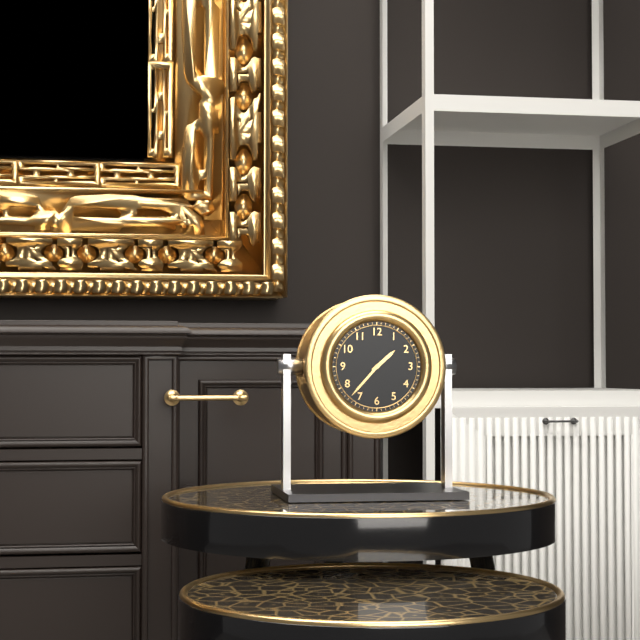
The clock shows **1:37**
